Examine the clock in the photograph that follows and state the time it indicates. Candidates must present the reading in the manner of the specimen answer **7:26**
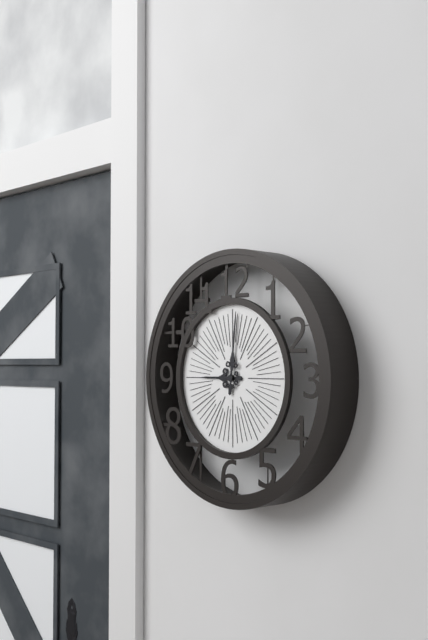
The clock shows **9:01**
